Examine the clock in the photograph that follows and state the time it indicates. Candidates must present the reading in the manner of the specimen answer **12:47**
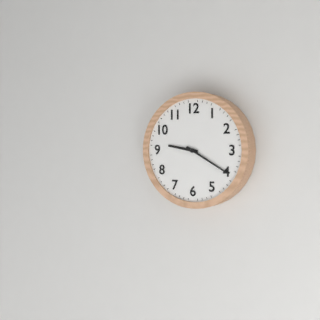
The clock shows **9:20**
